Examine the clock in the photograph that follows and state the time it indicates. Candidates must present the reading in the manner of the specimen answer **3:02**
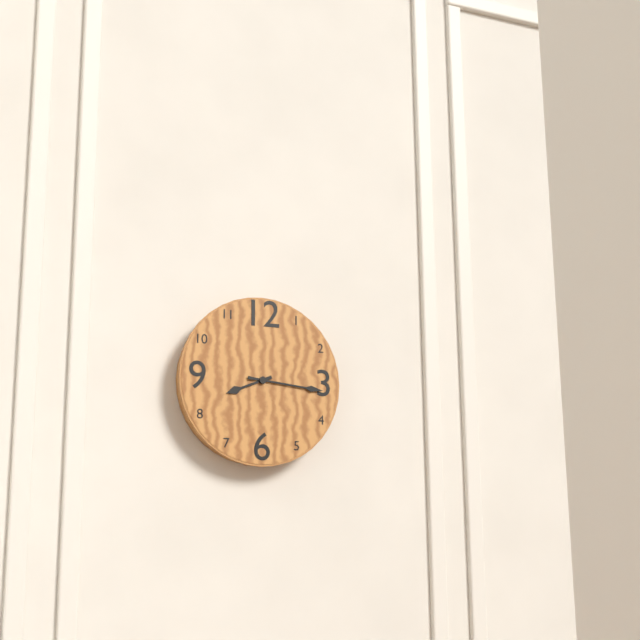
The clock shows **8:16**
